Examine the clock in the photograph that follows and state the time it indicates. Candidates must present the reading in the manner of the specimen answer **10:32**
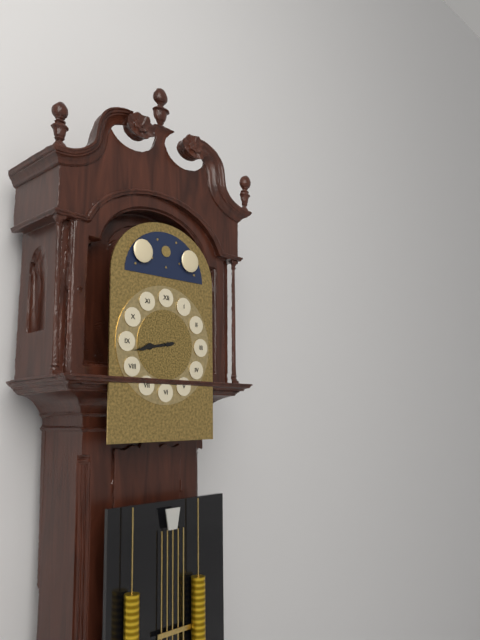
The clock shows **8:43**
